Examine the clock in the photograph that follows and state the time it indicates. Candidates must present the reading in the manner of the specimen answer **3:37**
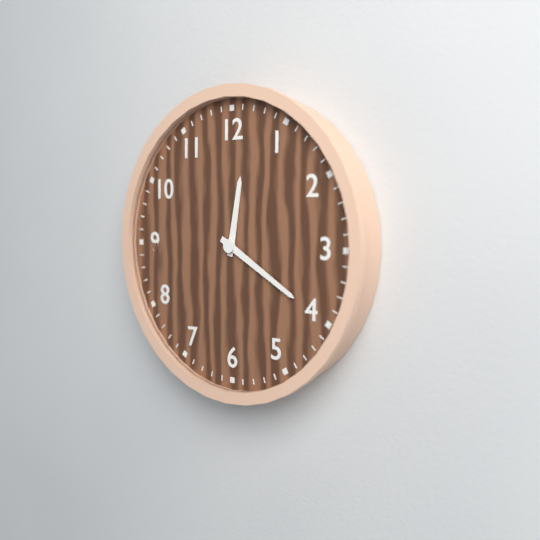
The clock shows **12:20**
